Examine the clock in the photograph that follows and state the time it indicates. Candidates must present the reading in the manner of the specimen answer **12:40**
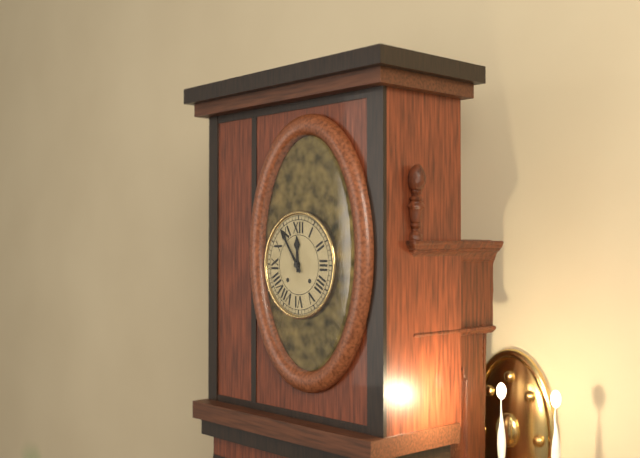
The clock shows **11:54**
